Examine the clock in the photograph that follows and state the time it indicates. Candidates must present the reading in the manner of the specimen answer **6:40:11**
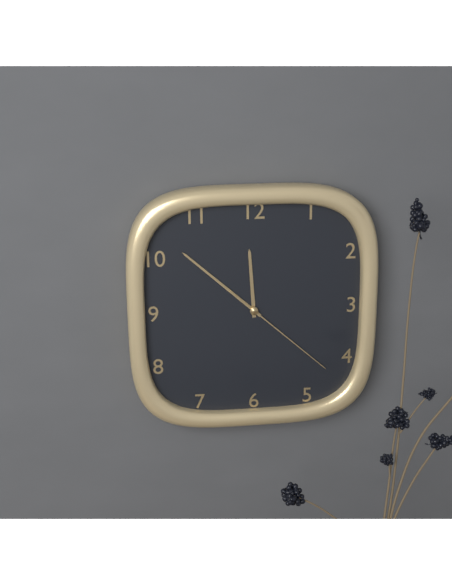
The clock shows **11:52:22**
